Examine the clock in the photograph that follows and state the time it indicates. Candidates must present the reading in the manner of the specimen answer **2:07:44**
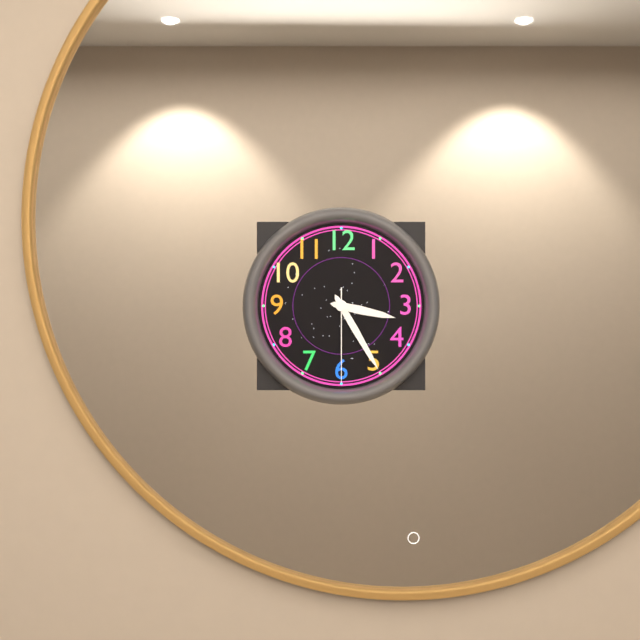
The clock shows **3:25:30**
